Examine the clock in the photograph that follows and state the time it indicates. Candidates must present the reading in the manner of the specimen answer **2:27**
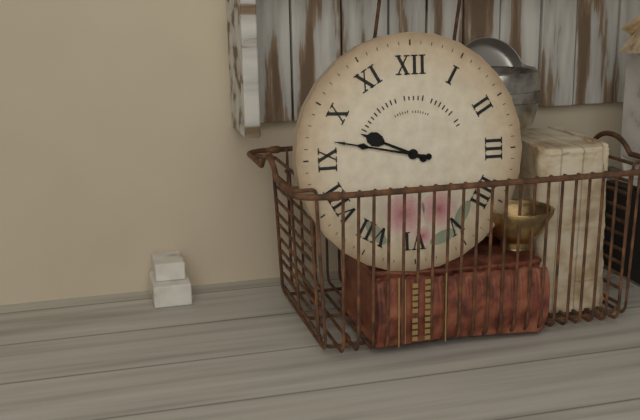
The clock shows **9:47**
